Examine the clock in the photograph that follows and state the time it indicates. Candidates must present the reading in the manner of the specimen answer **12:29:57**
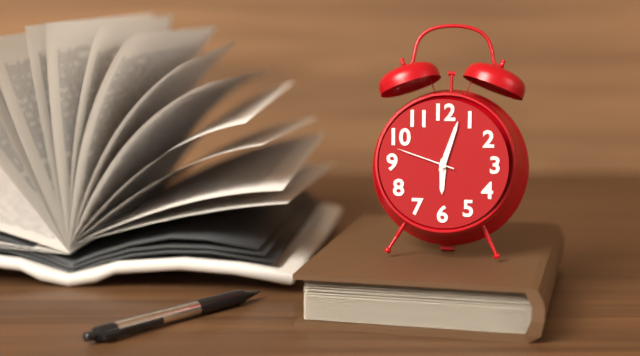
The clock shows **6:03:48**
